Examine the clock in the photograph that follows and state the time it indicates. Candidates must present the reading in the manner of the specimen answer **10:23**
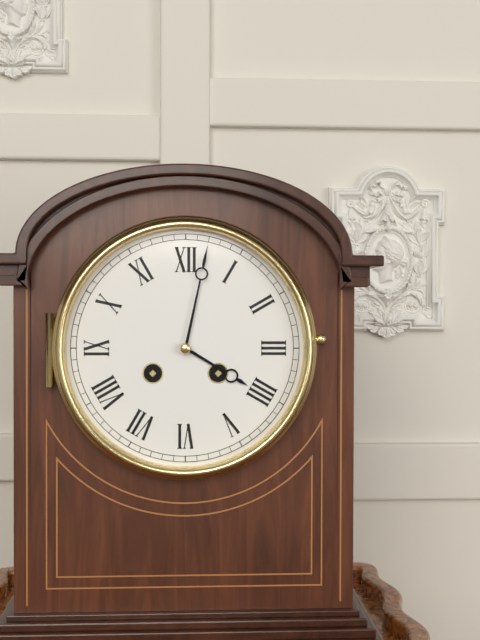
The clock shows **4:02**
